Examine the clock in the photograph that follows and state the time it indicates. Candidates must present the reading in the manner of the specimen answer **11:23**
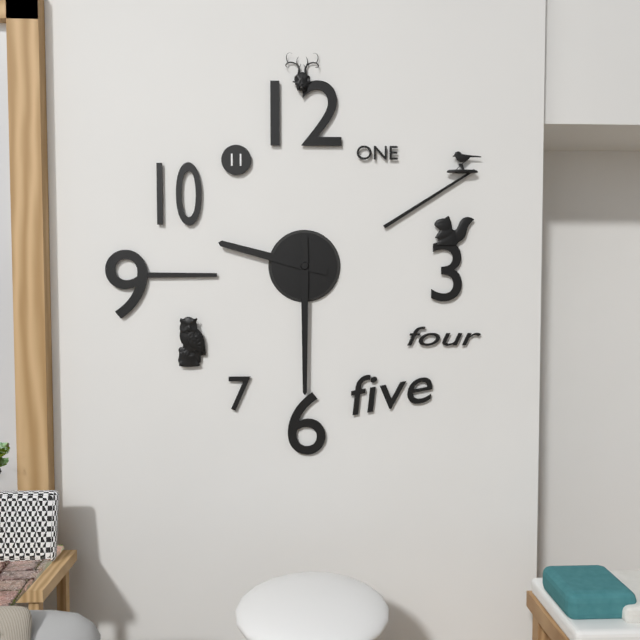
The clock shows **9:30**
